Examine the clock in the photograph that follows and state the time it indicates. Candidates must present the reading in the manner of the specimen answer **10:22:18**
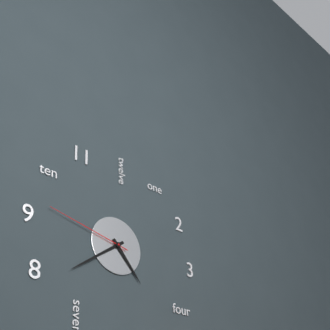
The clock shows **4:39:47**
